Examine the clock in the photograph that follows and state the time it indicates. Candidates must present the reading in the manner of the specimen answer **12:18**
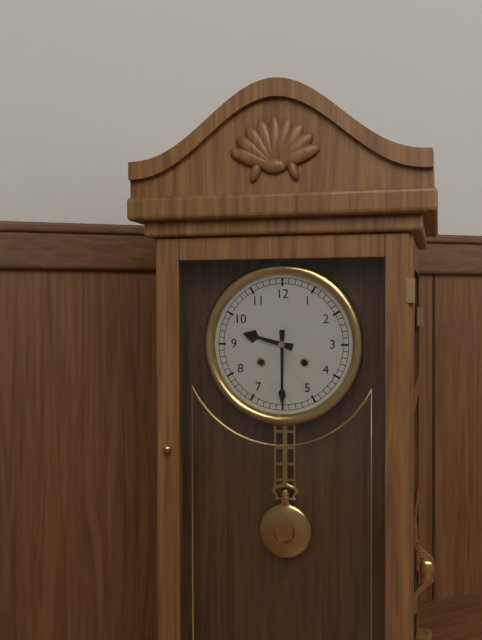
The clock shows **9:30**
